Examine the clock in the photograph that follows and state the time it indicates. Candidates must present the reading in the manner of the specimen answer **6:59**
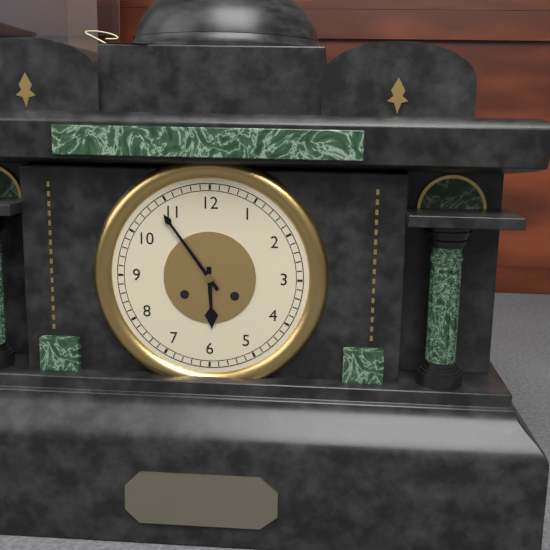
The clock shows **5:54**
